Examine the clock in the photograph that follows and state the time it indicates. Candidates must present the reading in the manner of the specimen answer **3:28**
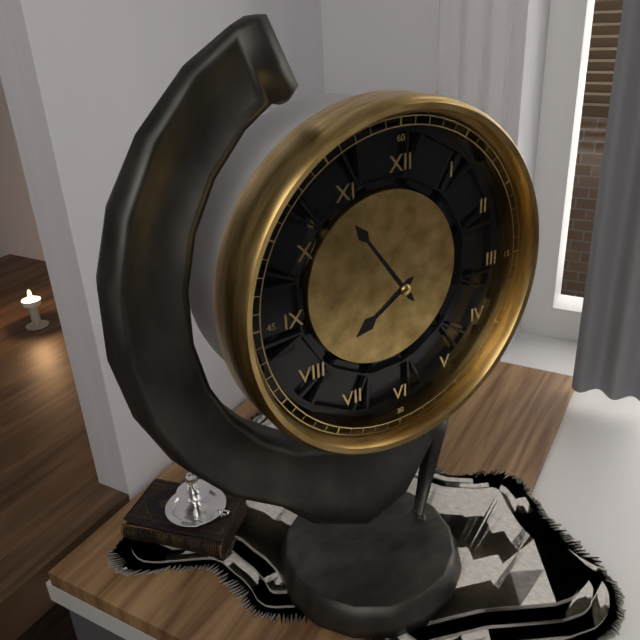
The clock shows **7:54**
